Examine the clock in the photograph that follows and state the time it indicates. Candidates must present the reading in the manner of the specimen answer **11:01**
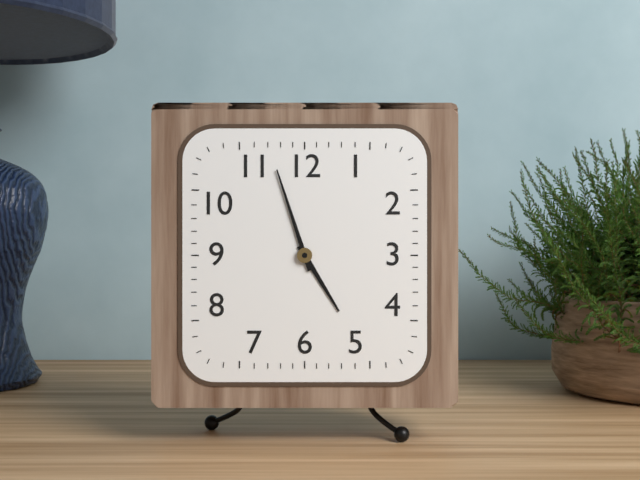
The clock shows **4:57**
